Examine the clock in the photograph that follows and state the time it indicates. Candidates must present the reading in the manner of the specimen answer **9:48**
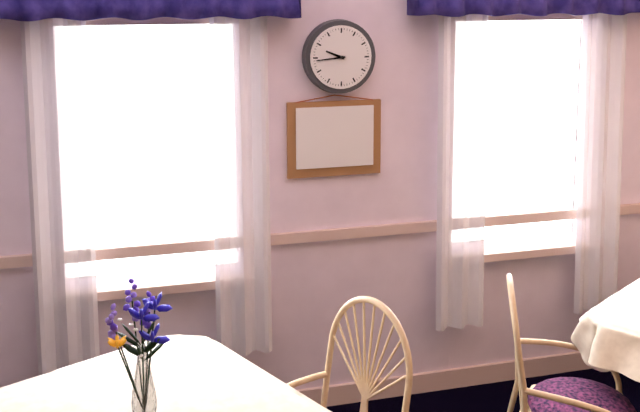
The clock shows **9:44**
